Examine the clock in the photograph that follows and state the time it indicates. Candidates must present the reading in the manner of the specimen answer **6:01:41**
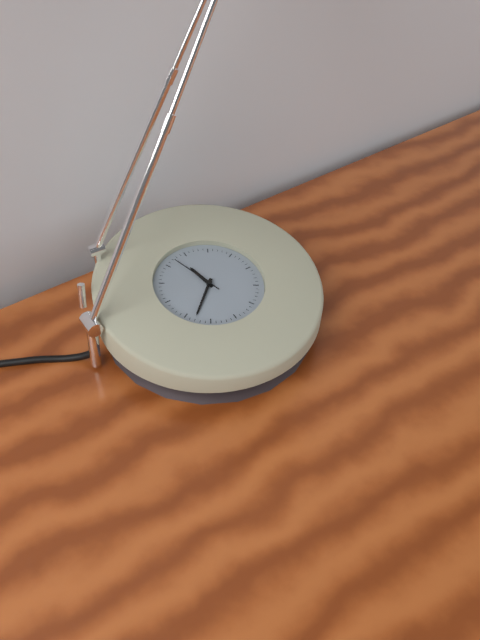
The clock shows **11:38:57**
